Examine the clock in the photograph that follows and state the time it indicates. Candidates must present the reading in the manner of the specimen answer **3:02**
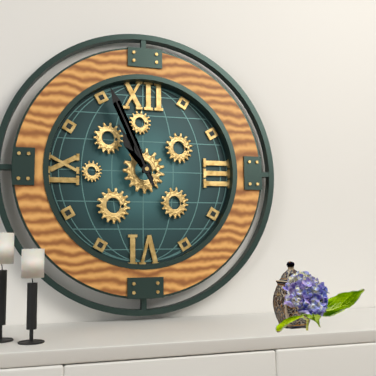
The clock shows **10:56**
